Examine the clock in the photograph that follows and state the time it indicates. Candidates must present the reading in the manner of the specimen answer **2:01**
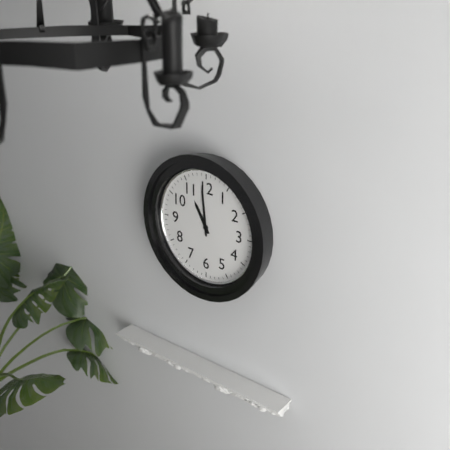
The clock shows **10:59**
